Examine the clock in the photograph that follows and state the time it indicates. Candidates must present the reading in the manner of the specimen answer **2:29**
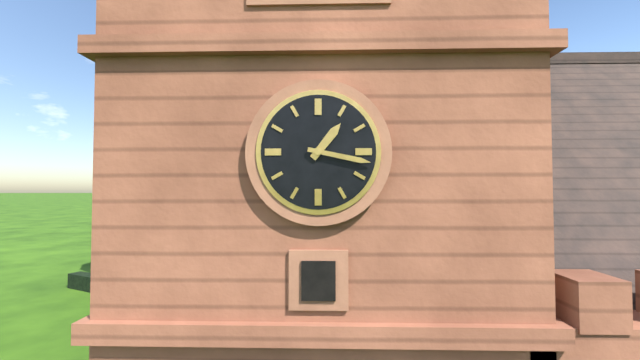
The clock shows **1:17**
